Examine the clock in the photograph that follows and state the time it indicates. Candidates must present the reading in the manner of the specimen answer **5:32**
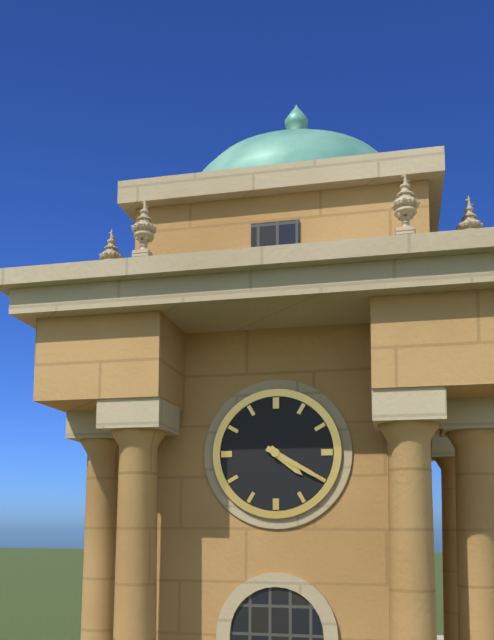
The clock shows **4:20**
